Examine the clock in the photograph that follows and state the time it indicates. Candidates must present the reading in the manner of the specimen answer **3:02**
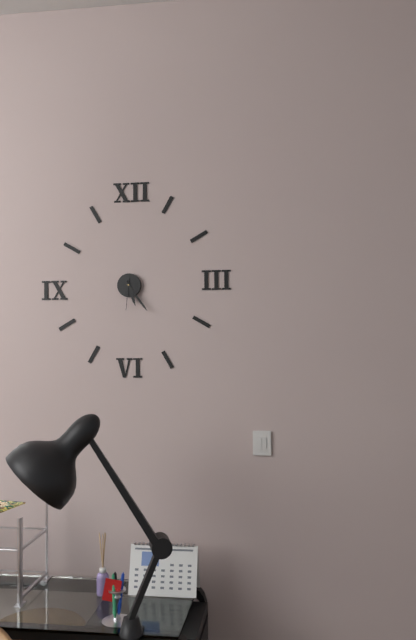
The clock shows **5:24**
